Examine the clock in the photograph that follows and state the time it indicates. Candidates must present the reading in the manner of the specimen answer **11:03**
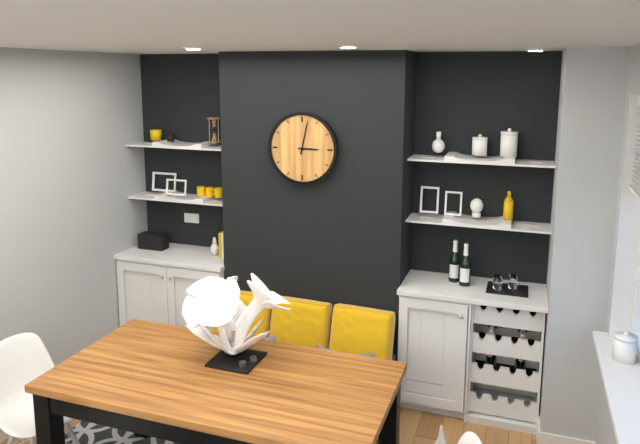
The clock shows **3:02**
